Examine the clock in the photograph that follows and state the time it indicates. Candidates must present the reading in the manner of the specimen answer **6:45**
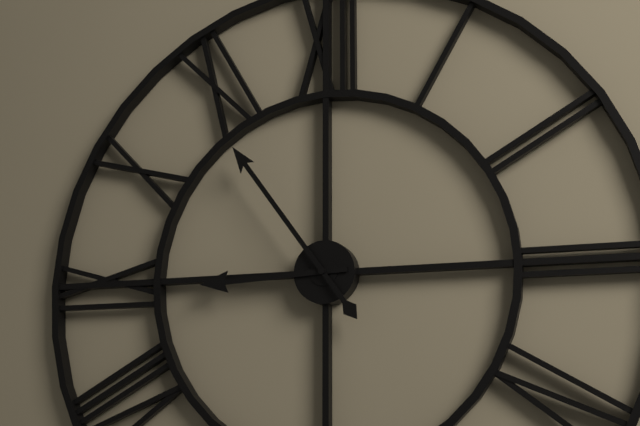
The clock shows **8:54**
